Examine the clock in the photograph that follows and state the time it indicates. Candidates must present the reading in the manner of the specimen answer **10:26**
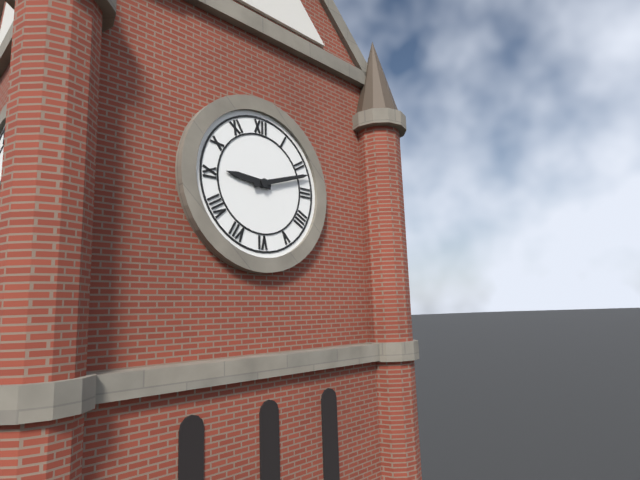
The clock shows **9:12**
